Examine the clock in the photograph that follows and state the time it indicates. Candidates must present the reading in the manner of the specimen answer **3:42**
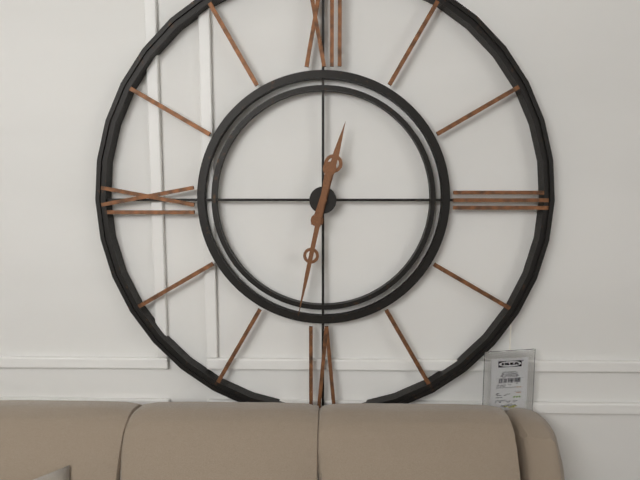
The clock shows **12:32**
